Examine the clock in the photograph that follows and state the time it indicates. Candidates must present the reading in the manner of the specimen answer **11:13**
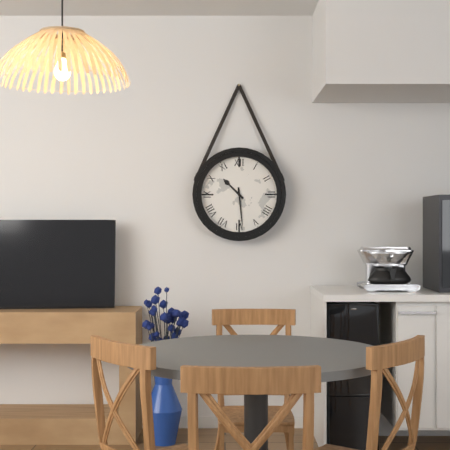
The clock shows **10:29**
